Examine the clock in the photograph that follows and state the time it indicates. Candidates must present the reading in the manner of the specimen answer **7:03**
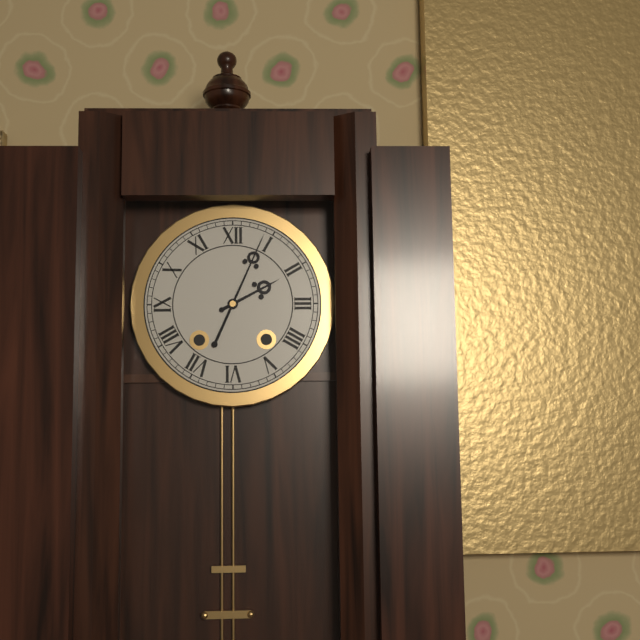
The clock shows **2:04**
